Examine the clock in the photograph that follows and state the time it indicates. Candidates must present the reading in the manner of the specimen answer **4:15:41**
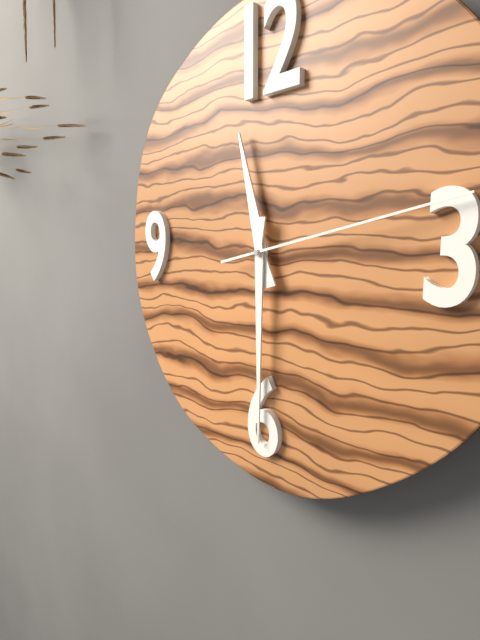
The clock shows **11:30:13**
